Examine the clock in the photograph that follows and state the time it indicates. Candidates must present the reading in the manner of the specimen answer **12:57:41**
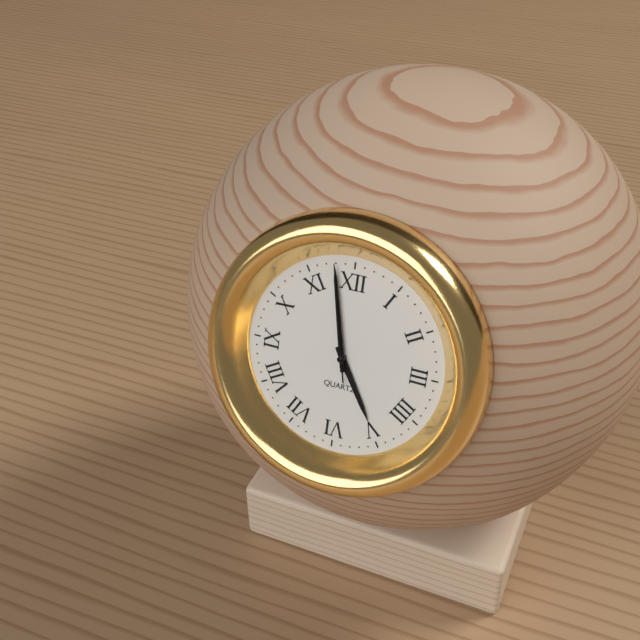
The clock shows **4:58:58**
